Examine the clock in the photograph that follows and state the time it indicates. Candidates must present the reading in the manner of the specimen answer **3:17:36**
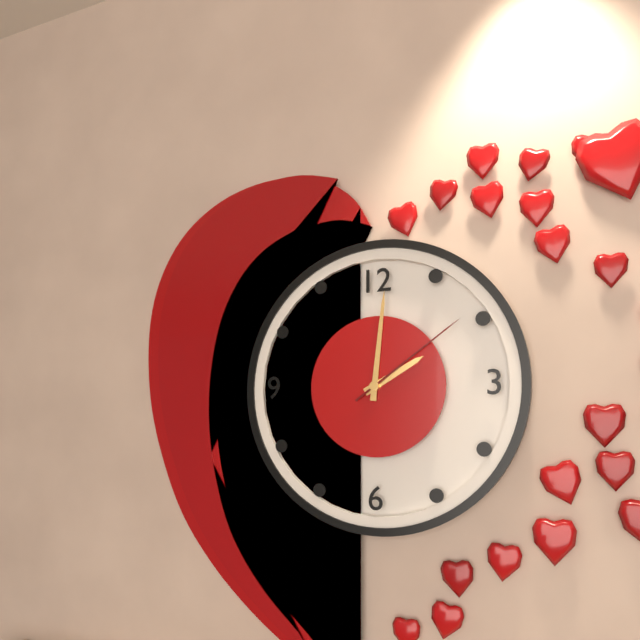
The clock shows **2:01:09**
